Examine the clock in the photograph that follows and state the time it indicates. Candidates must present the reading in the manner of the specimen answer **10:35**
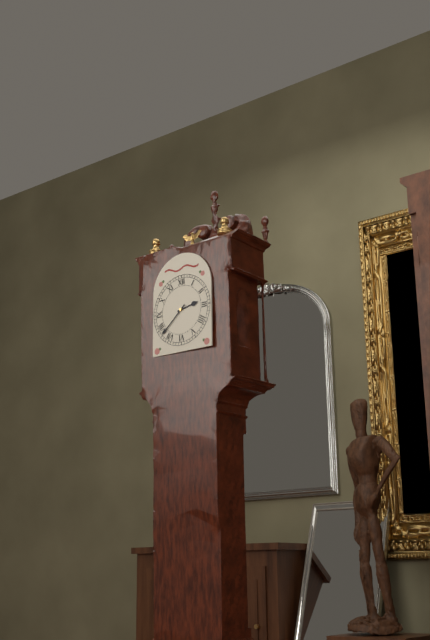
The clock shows **2:38**
